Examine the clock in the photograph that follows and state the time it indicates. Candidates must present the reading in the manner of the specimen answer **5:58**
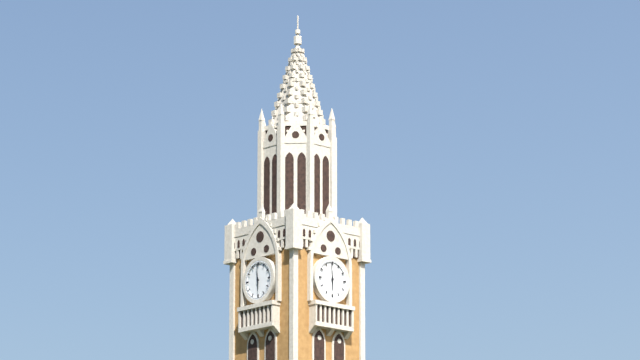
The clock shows **5:59**
